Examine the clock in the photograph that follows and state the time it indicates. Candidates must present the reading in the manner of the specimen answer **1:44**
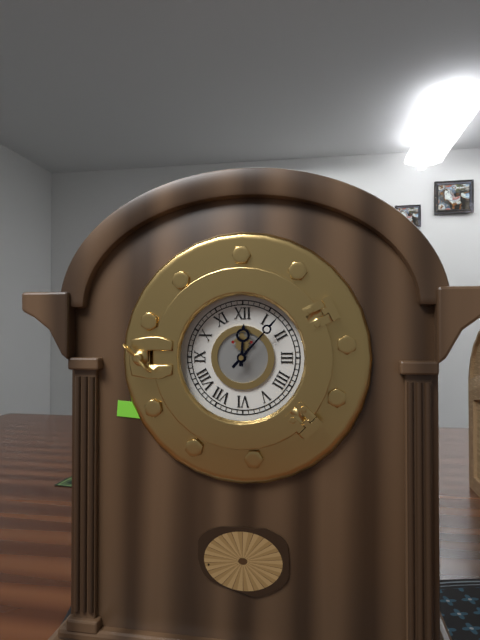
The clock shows **12:07**
